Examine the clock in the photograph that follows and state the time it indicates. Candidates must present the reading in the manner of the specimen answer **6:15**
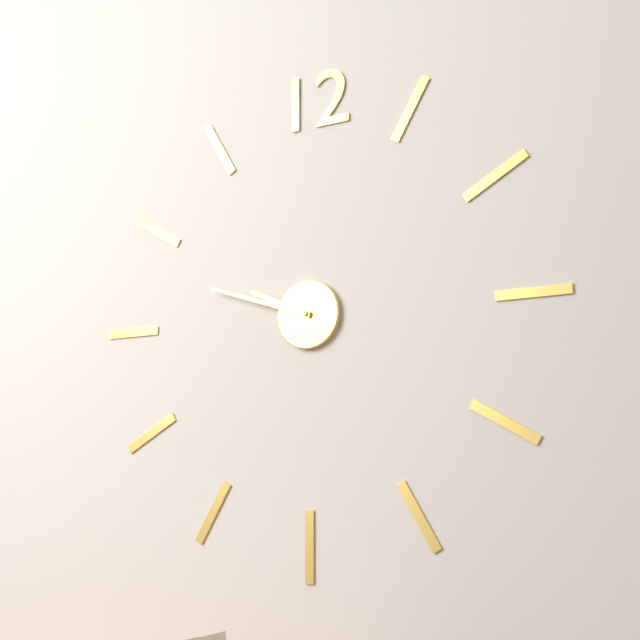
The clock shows **9:48**
